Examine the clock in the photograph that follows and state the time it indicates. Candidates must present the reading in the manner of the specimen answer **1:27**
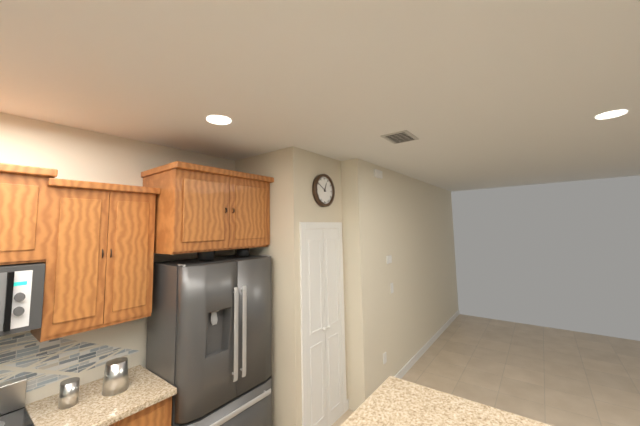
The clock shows **12:50**
